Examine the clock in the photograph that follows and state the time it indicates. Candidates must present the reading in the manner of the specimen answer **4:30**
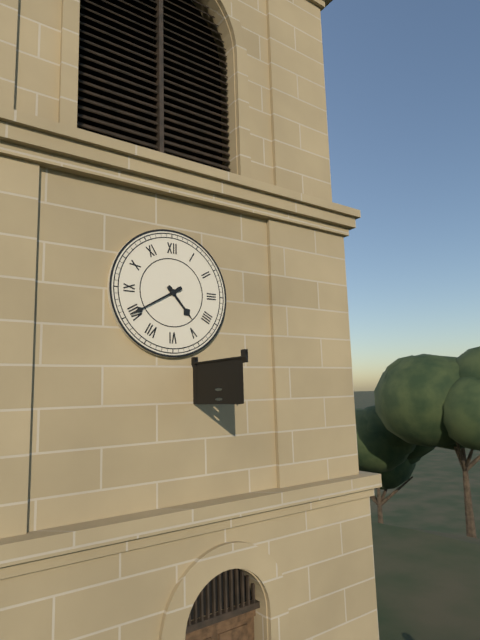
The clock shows **4:40**
